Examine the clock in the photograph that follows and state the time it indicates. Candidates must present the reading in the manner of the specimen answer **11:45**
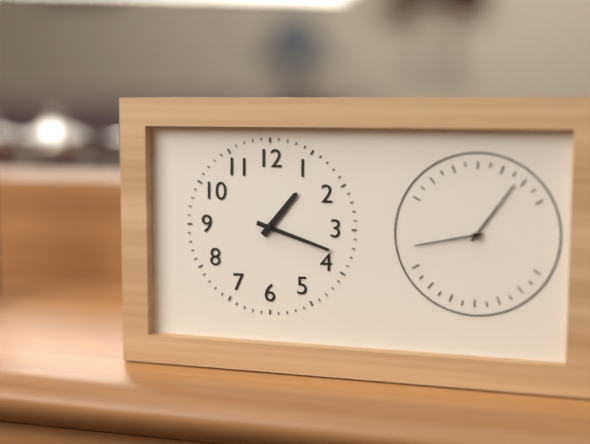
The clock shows **1:18**
